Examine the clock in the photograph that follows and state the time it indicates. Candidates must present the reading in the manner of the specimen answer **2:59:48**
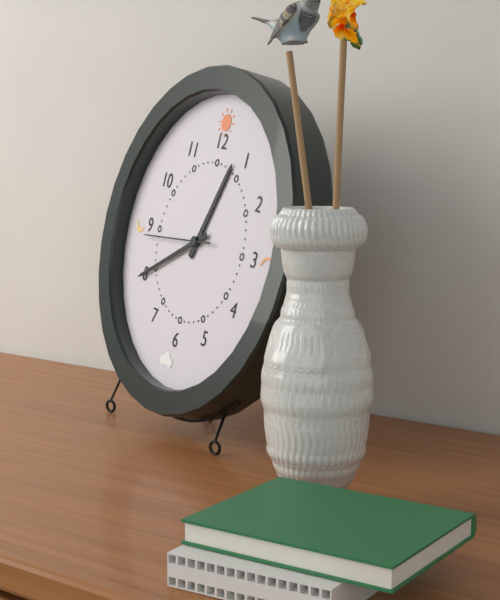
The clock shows **12:40:44**
